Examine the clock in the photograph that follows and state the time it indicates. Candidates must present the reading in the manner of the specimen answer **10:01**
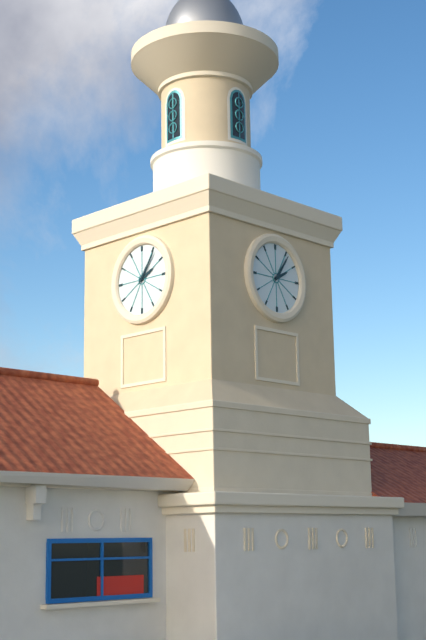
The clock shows **2:06**
